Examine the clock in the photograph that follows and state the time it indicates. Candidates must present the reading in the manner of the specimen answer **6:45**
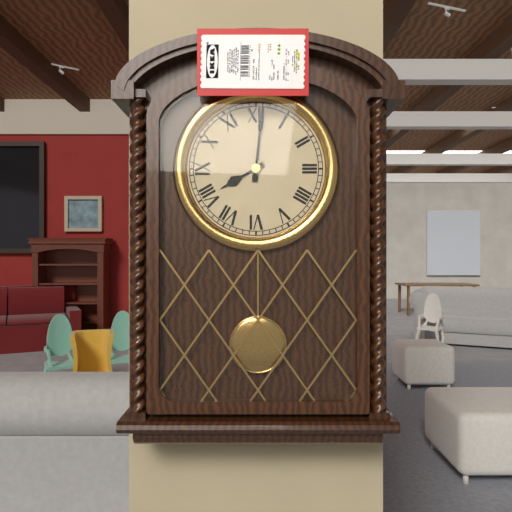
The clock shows **8:01**
